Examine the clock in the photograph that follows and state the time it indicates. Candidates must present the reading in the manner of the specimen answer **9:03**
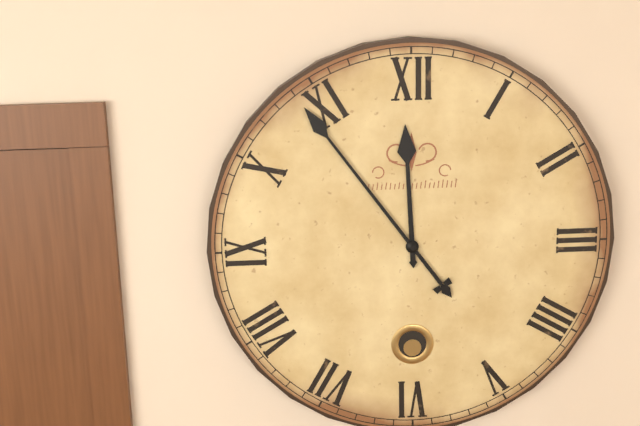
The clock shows **11:54**
